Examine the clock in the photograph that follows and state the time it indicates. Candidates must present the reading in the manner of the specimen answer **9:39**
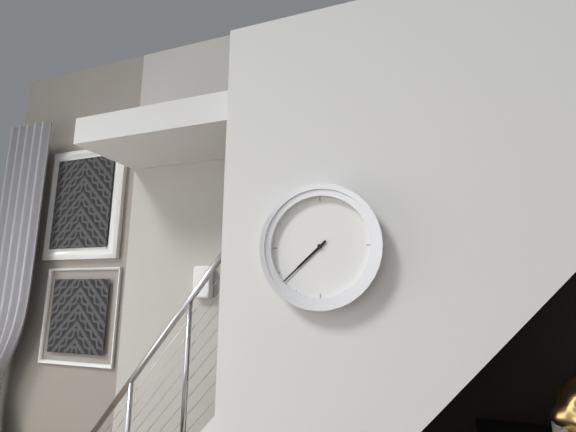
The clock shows **7:38**
